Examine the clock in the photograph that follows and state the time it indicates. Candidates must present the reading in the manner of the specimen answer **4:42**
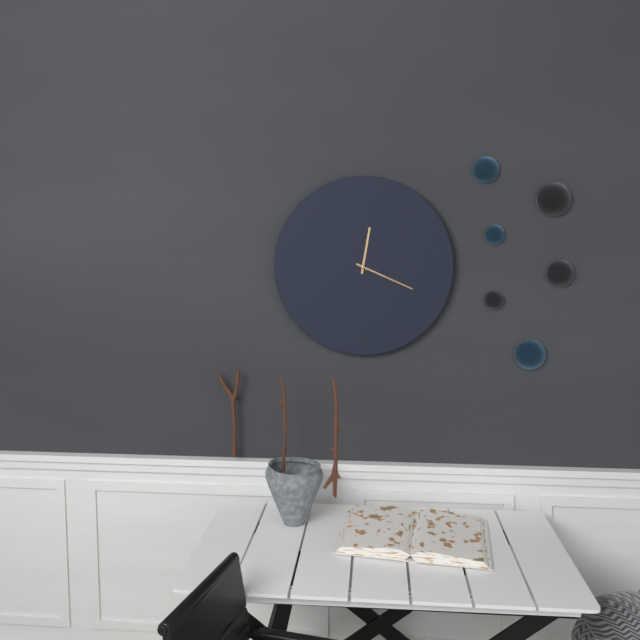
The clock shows **12:19**
